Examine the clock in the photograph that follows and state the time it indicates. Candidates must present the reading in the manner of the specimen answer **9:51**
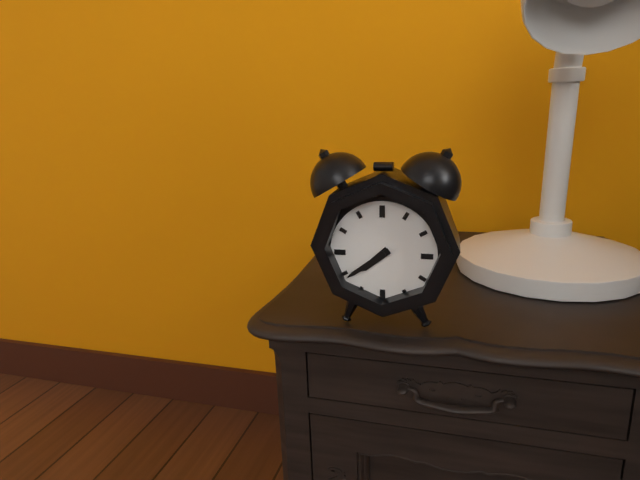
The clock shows **7:39**
